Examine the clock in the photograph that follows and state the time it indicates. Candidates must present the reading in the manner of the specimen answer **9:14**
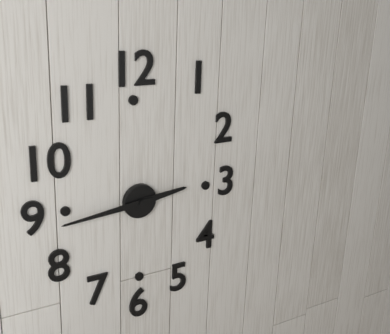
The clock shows **2:44**
